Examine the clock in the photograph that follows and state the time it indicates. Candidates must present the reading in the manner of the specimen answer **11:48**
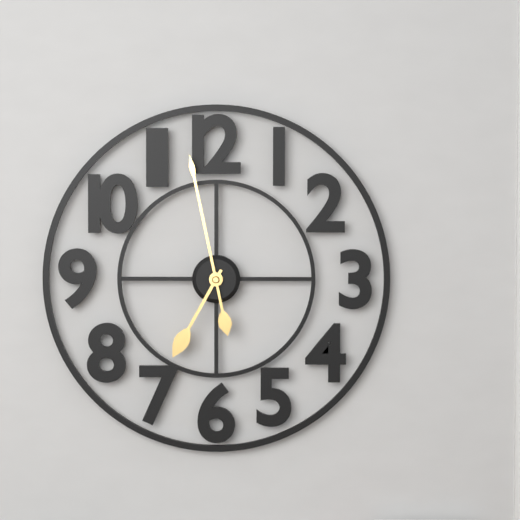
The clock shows **6:58**
